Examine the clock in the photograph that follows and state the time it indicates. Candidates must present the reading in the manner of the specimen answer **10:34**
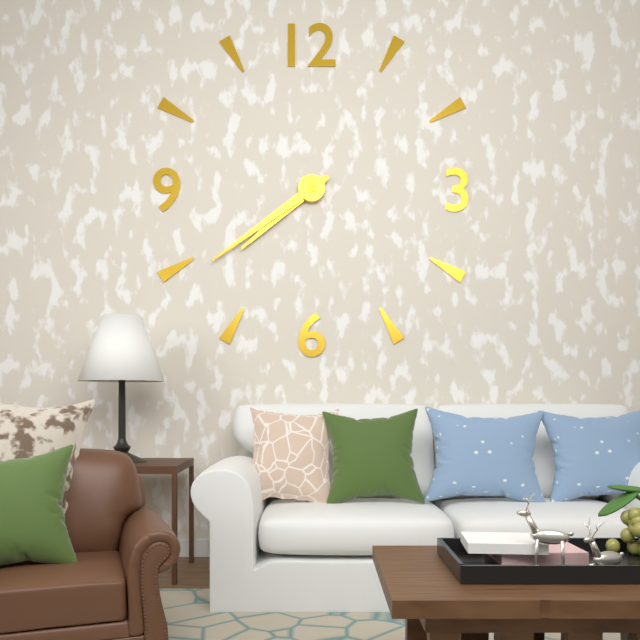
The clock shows **7:39**
